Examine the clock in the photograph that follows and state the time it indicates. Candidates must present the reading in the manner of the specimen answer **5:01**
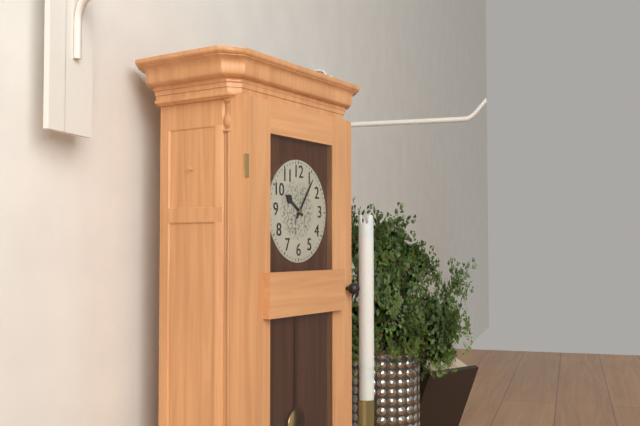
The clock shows **10:06**
